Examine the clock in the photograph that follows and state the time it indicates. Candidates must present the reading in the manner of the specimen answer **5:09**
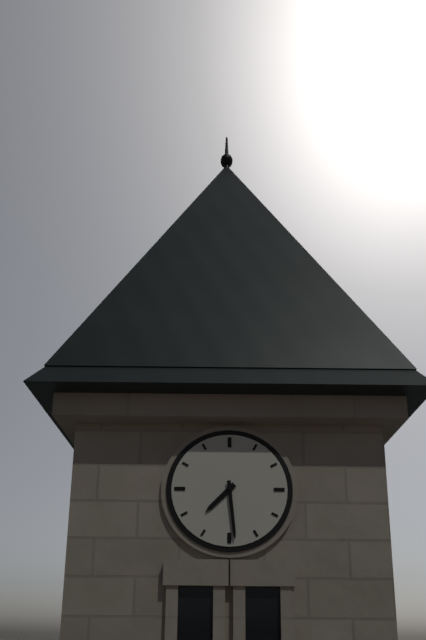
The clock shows **7:29**
